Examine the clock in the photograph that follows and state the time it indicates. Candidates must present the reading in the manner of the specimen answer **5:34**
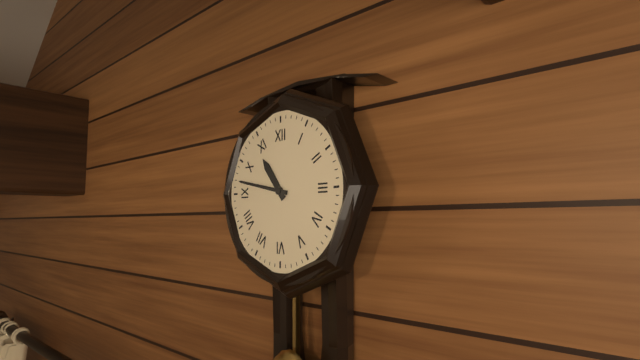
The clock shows **10:47**
